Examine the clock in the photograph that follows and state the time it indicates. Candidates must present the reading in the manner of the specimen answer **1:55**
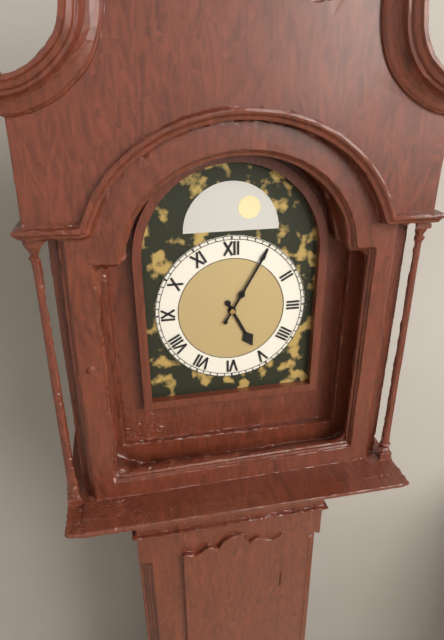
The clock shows **5:05**
